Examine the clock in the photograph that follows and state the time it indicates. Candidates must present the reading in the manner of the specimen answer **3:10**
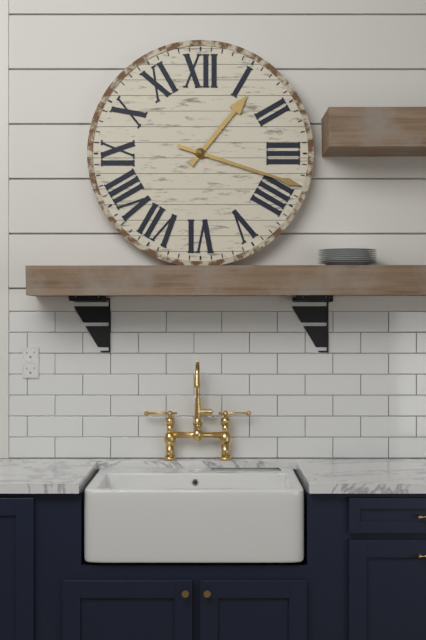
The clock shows **1:18**
